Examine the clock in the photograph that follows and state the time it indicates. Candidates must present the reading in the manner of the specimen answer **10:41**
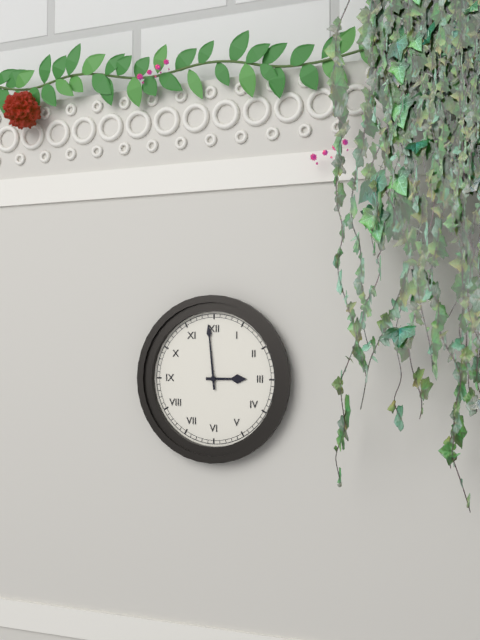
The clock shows **2:59**
